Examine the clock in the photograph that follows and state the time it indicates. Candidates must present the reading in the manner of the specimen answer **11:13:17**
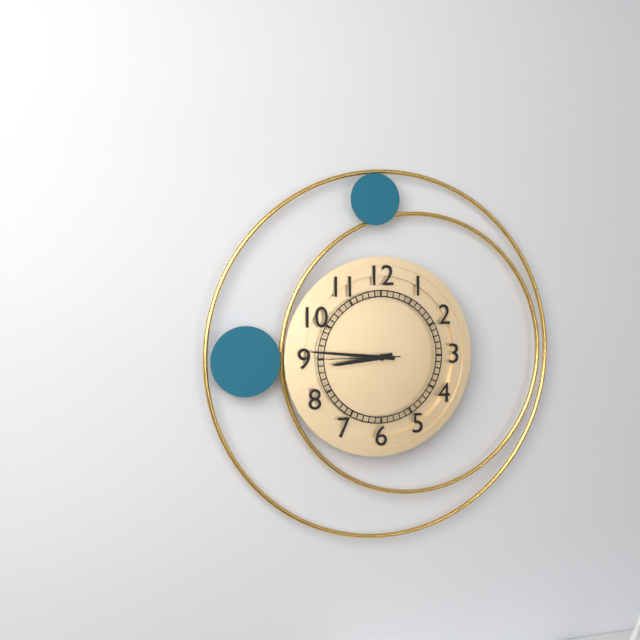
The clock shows **8:46:45**
